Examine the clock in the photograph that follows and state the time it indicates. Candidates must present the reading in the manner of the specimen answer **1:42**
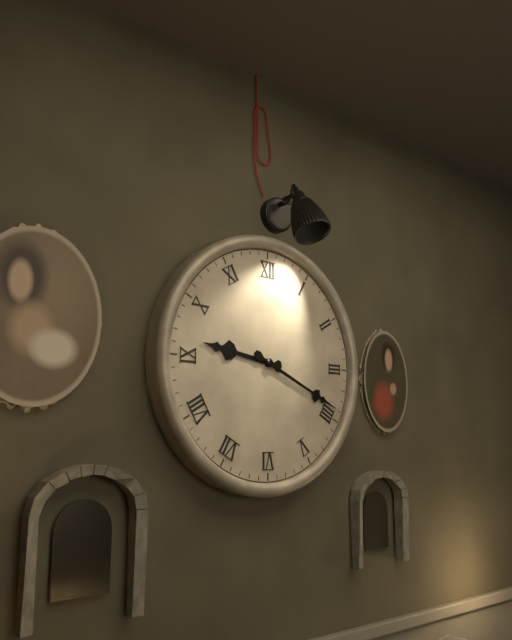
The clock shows **9:19**
